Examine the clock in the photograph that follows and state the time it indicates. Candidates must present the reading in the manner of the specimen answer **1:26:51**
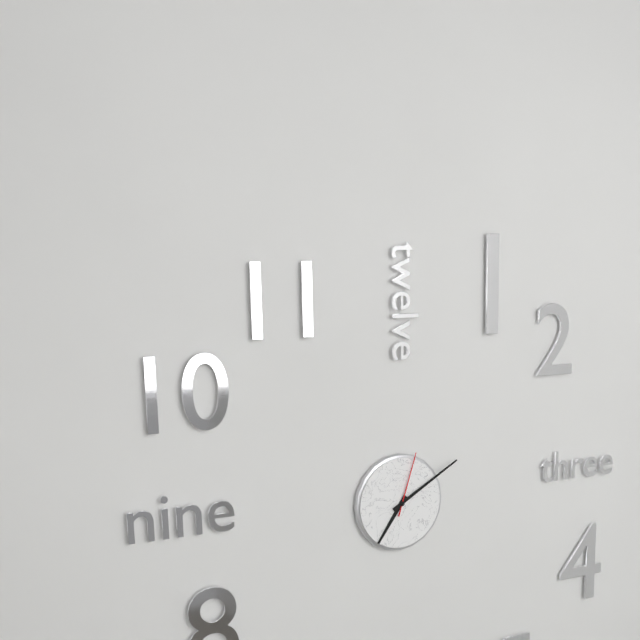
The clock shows **7:10:03**
